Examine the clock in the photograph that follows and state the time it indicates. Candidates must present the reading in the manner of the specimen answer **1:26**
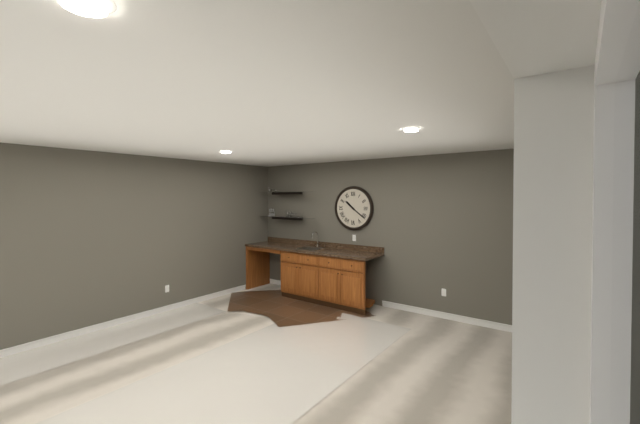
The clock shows **10:21**
